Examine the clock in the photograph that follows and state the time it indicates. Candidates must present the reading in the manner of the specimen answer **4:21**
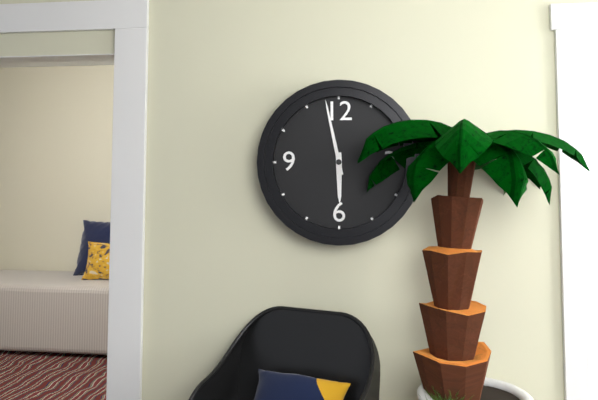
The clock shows **5:58**
